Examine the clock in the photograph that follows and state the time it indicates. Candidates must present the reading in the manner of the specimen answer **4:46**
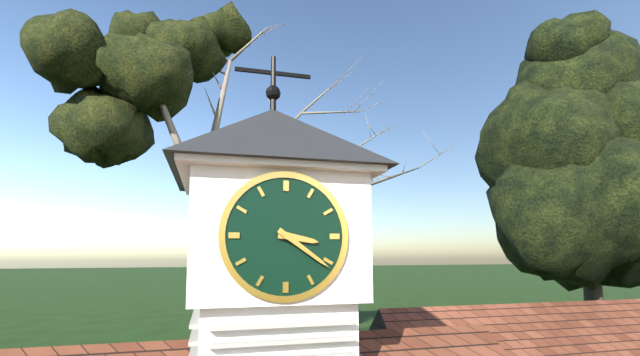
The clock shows **3:21**
